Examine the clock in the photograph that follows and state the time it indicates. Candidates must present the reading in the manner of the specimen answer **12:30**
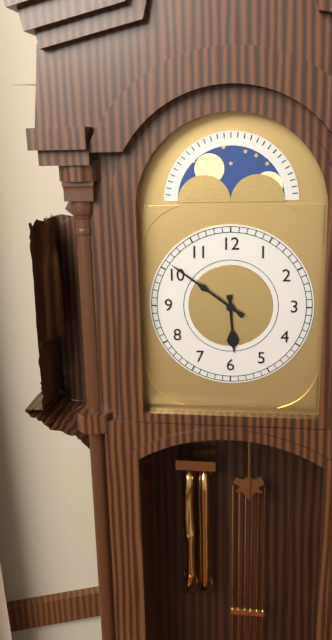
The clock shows **5:51**
